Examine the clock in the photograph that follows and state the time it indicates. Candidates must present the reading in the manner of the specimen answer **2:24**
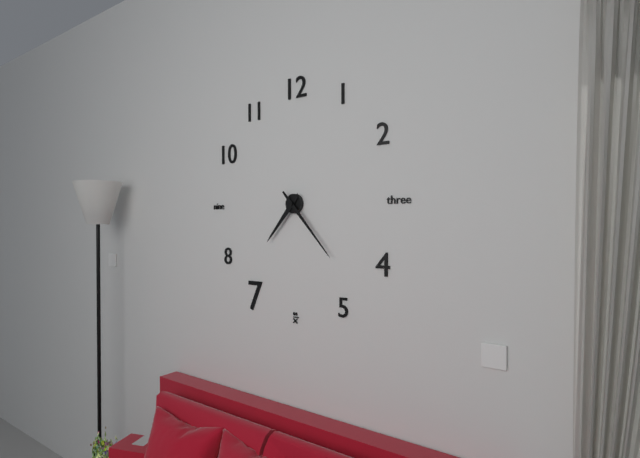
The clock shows **7:23**
